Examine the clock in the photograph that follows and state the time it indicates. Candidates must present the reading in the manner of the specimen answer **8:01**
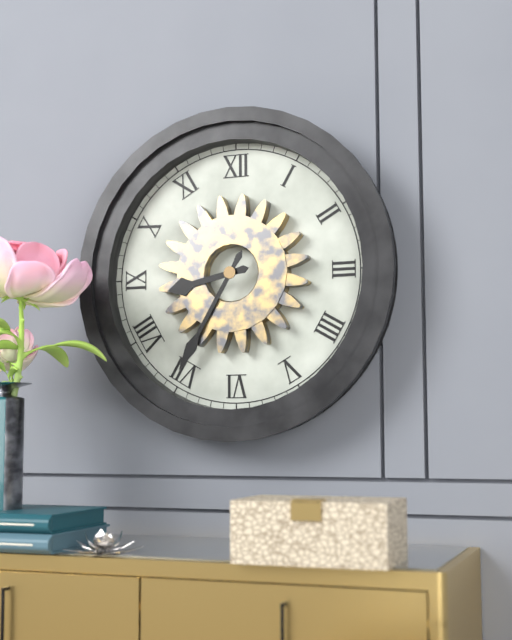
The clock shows **8:35**
